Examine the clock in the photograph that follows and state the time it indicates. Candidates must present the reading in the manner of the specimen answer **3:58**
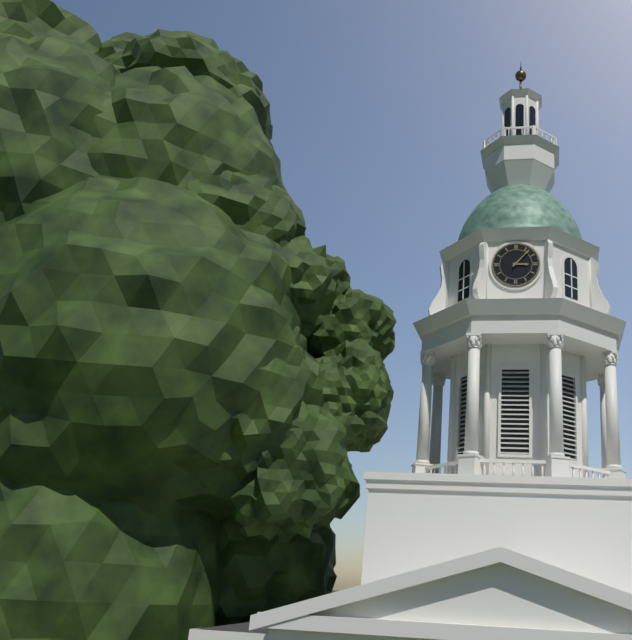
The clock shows **3:07**
